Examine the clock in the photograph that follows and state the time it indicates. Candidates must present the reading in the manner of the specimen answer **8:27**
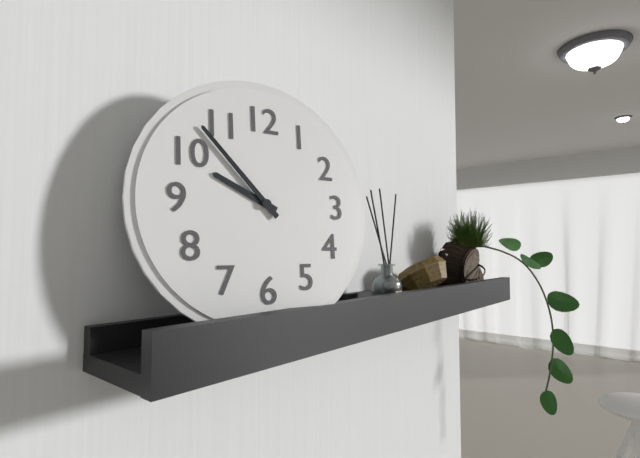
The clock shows **9:53**
